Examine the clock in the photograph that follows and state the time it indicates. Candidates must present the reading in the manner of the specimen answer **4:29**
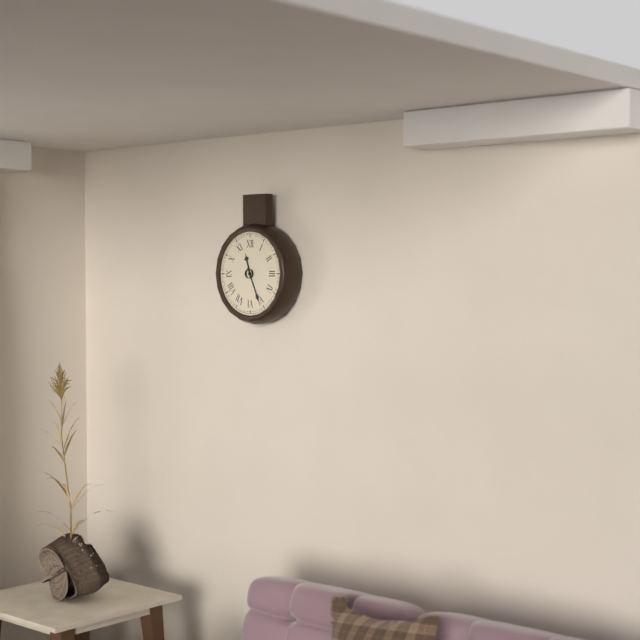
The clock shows **11:26**
